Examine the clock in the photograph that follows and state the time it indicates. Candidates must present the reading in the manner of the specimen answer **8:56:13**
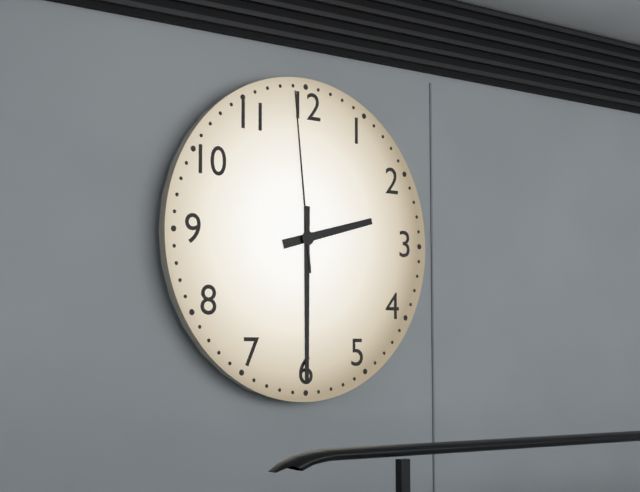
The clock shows **2:30:59**
